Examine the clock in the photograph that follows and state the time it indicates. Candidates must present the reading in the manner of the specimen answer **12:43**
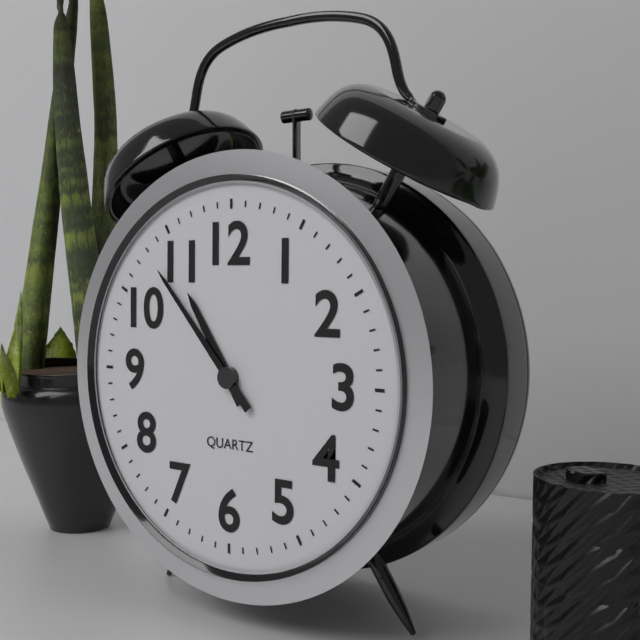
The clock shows **10:53**
